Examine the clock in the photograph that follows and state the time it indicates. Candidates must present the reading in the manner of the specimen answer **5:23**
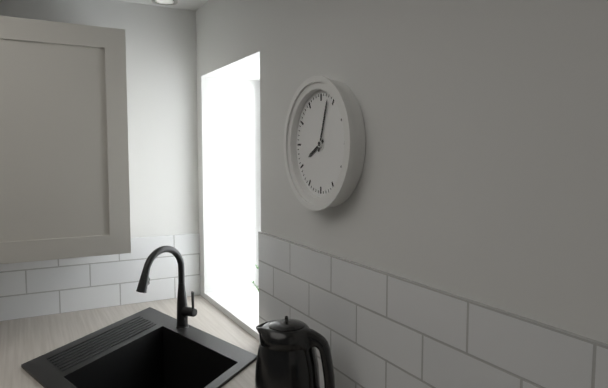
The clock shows **8:03**
